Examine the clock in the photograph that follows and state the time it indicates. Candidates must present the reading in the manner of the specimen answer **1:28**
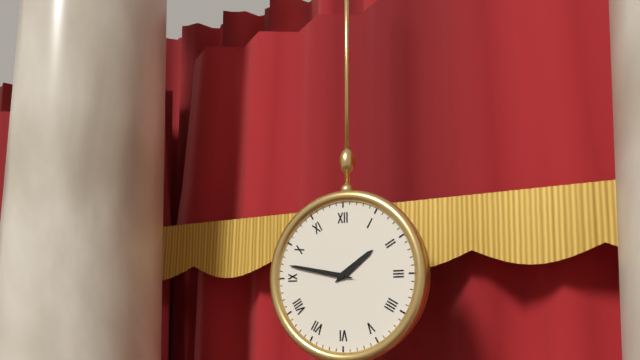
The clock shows **1:47**
